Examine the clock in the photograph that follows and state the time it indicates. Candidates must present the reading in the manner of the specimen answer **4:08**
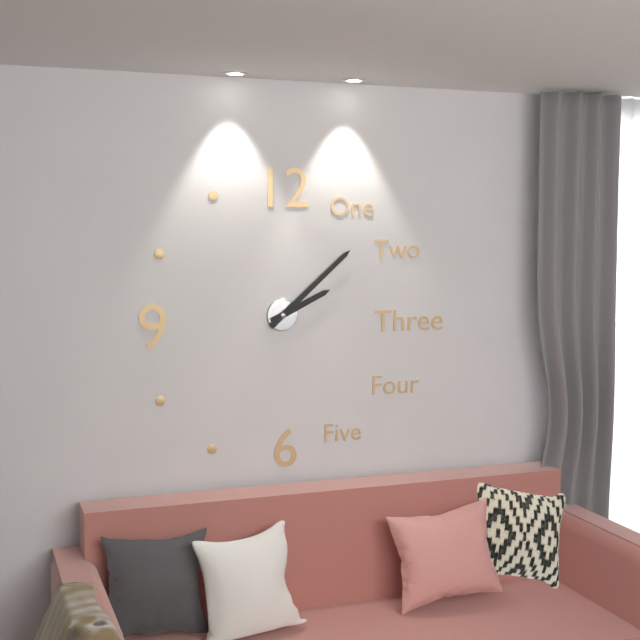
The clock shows **2:08**
